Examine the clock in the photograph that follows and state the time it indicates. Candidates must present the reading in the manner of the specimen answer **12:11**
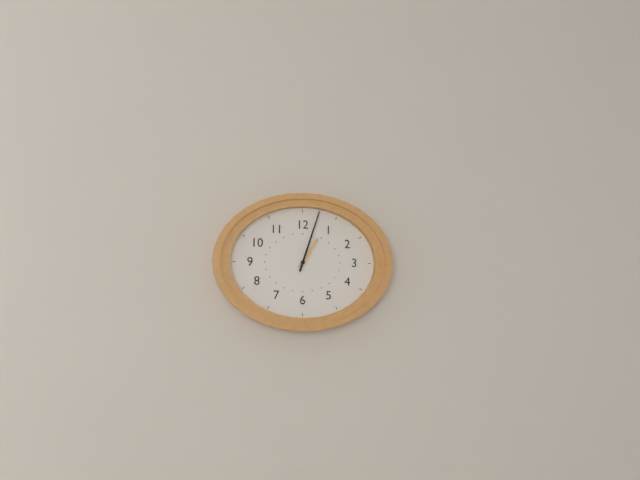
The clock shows **1:03**
